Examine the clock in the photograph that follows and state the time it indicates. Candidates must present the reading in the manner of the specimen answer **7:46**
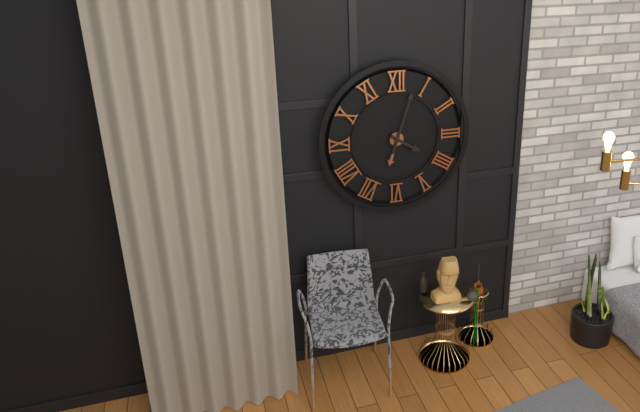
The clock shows **4:03**
